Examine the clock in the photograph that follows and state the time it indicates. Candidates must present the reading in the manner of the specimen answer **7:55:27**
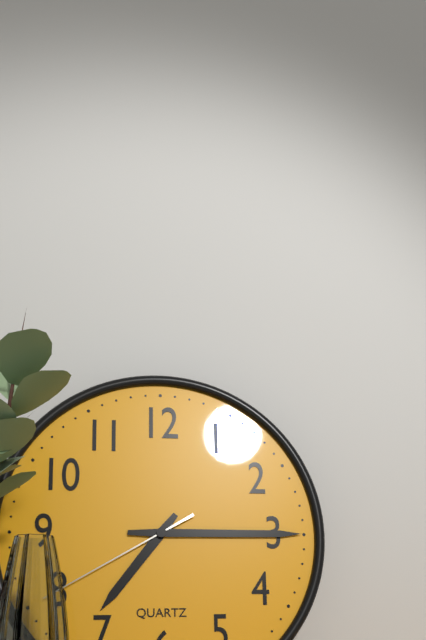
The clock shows **7:15:40**
